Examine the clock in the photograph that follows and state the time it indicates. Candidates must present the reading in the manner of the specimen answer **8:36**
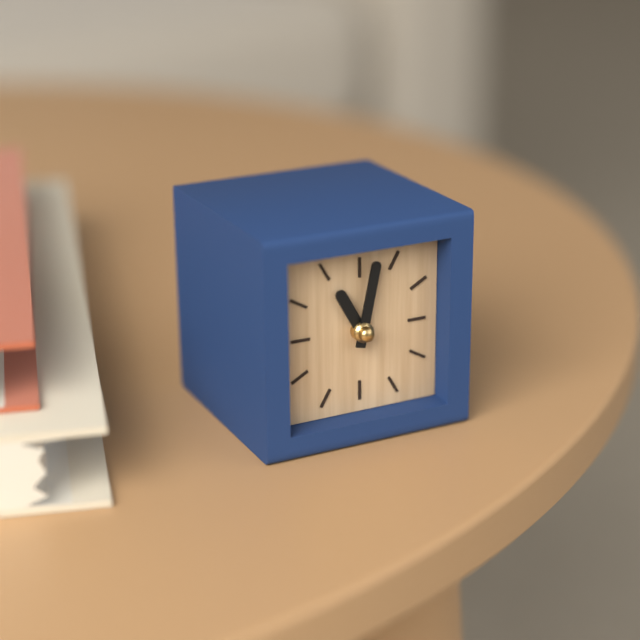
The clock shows **11:02**
